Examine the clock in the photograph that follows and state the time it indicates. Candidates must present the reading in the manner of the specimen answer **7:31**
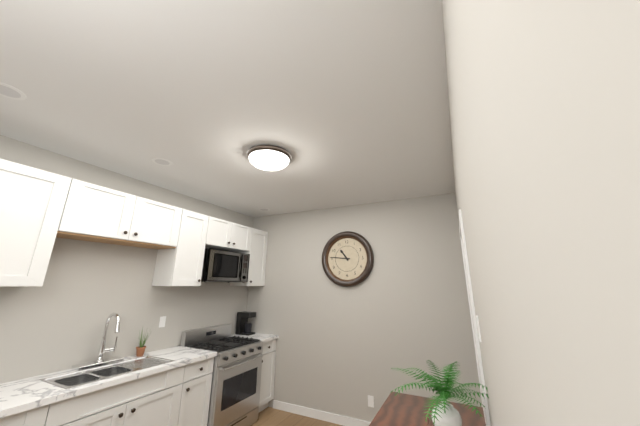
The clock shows **10:46**
